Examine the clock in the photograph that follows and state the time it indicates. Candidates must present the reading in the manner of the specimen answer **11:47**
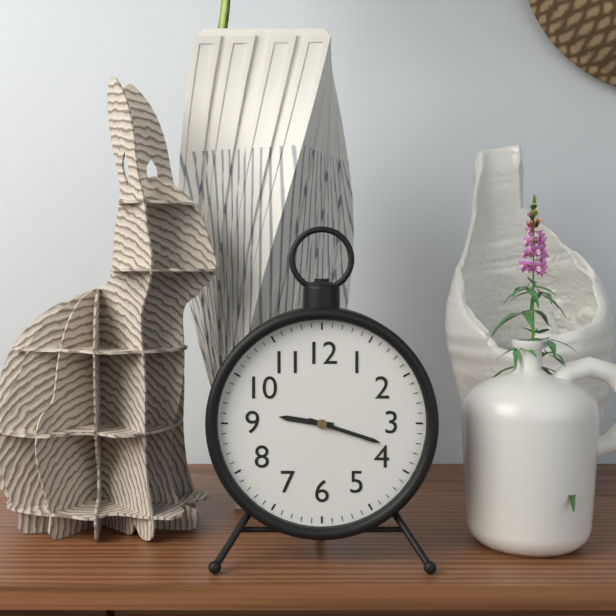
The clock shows **9:18**
